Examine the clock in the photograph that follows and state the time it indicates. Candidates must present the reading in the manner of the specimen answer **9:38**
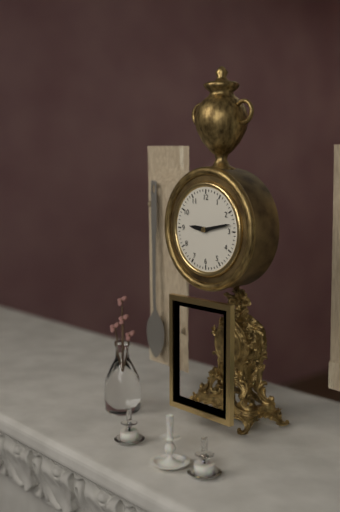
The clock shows **9:13**
